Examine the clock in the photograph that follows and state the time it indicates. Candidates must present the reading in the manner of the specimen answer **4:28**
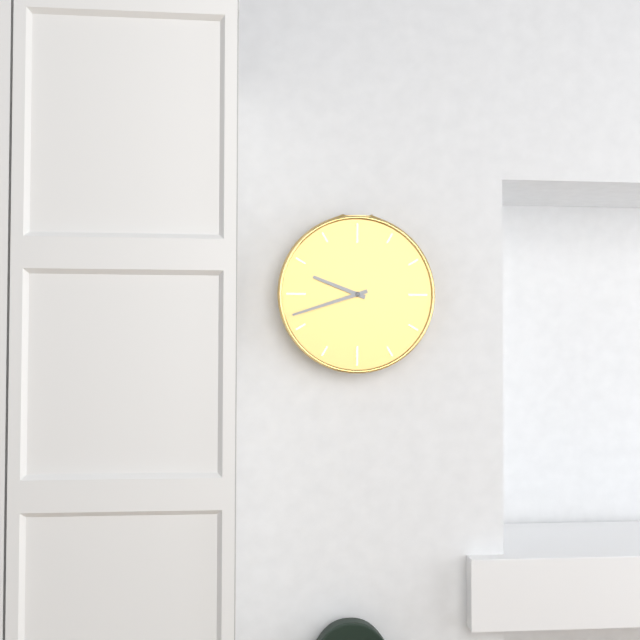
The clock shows **9:42**
